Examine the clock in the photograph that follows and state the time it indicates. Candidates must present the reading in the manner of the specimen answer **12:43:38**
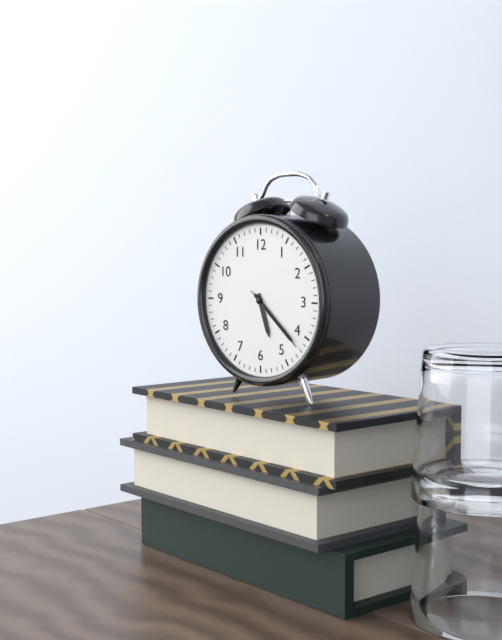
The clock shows **5:22:22**
